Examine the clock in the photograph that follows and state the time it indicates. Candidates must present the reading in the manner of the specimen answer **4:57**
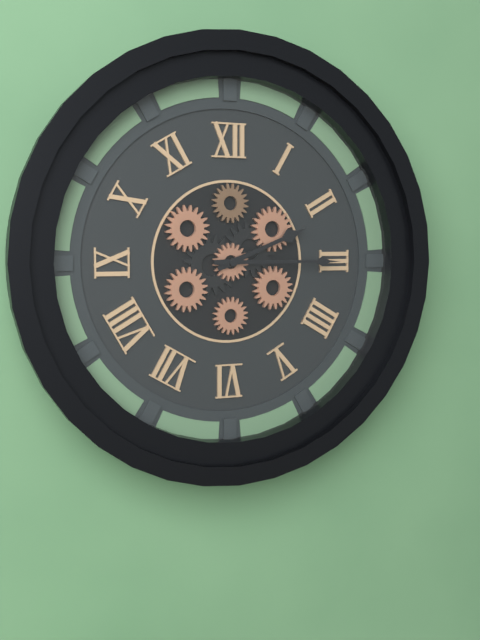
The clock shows **2:15**
